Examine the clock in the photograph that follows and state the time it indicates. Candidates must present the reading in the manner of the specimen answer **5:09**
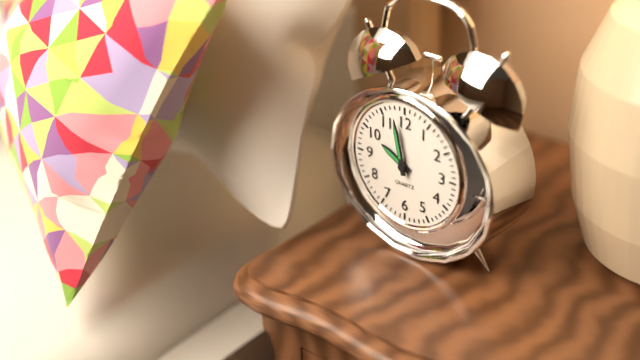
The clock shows **9:58**
